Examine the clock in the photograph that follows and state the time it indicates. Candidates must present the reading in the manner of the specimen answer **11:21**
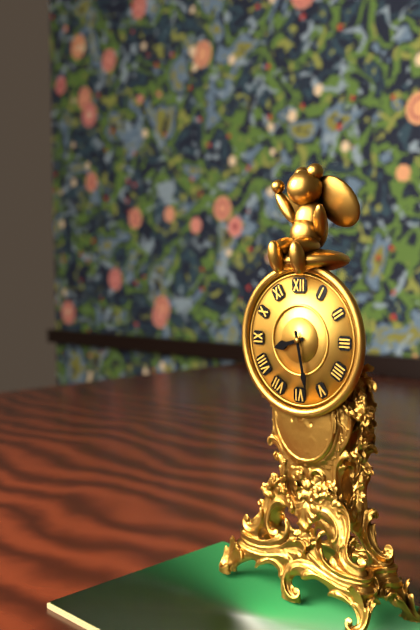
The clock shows **8:28**
